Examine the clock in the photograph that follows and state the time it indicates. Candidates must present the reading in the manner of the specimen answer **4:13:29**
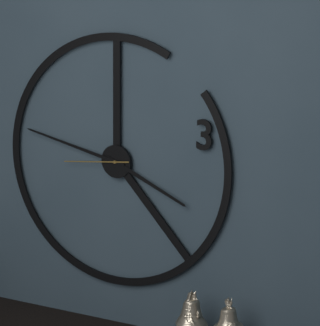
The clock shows **3:47:44**
